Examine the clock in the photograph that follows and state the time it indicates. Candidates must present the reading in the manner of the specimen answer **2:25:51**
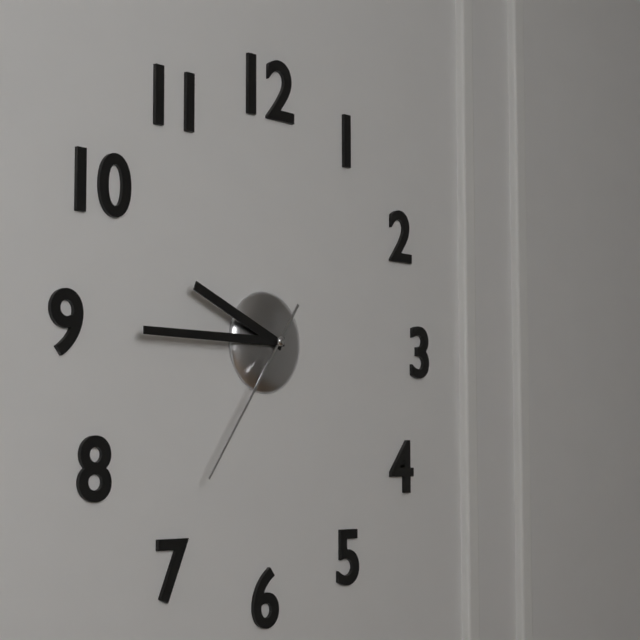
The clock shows **9:45:36**
